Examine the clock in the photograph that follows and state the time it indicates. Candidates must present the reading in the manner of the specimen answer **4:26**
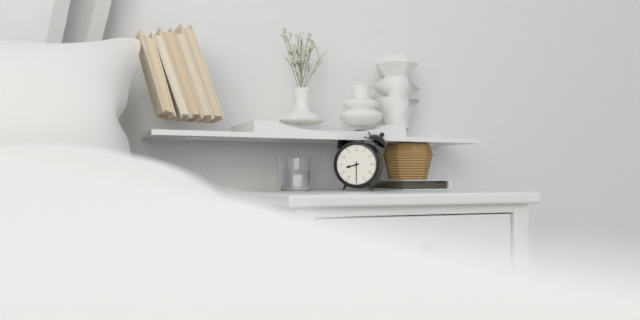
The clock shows **8:30**
